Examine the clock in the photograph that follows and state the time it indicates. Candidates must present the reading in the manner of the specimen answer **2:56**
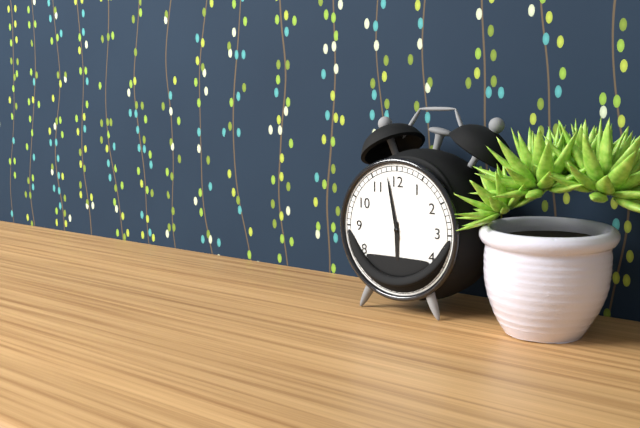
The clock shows **5:58**
